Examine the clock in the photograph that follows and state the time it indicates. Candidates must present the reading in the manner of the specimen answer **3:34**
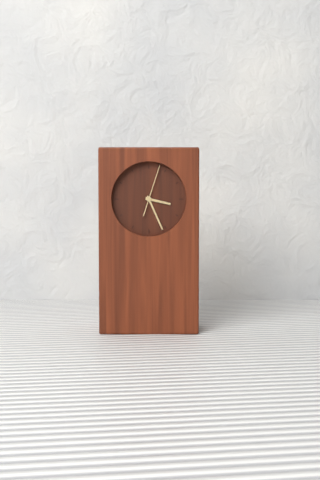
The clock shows **3:26**
